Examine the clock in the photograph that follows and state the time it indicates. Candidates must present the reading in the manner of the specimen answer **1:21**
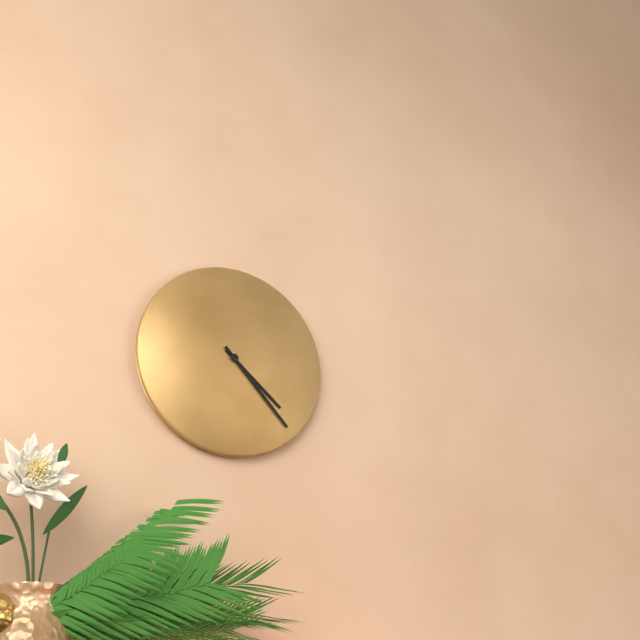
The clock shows **4:23**
